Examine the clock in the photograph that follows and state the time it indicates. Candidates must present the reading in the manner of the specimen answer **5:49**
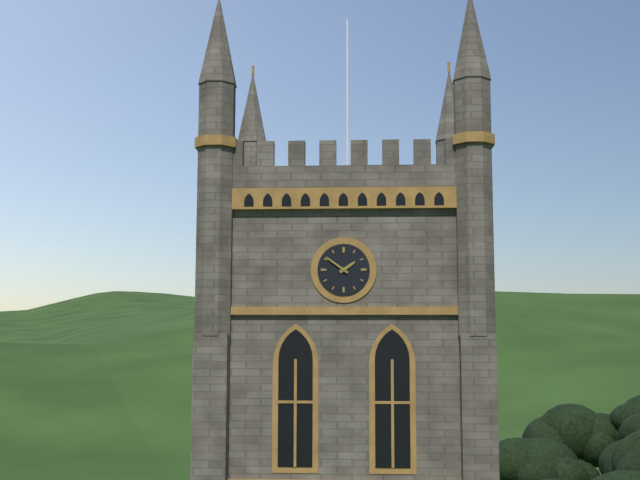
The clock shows **1:51**
